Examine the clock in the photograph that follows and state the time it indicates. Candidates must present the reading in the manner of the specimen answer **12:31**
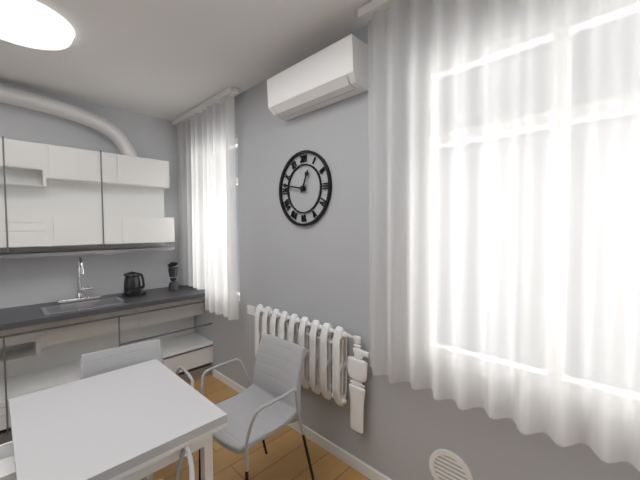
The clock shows **12:47**
